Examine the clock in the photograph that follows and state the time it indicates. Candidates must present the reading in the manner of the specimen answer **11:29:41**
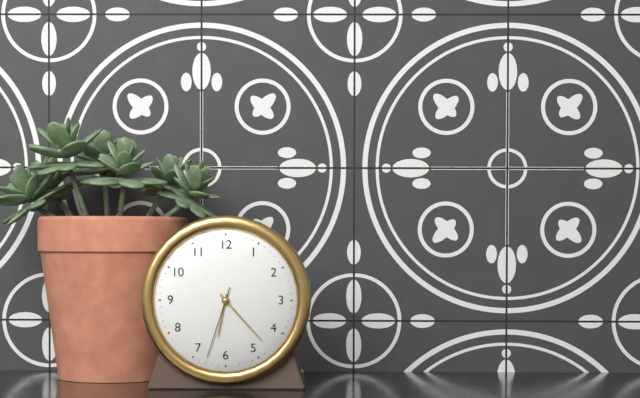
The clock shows **6:23:33**
